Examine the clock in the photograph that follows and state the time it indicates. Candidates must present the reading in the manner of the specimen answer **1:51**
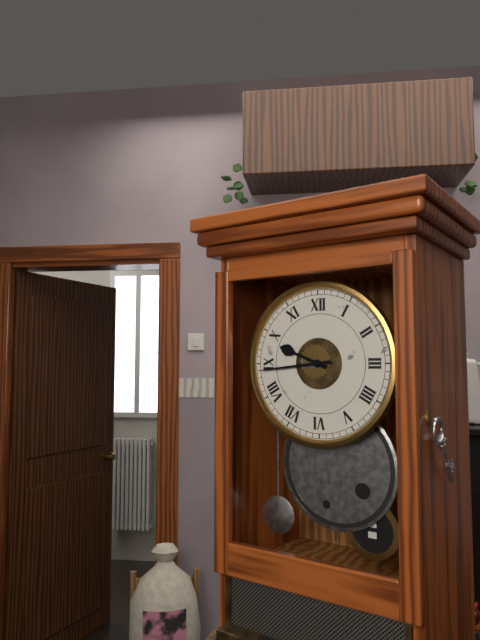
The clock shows **9:44**
